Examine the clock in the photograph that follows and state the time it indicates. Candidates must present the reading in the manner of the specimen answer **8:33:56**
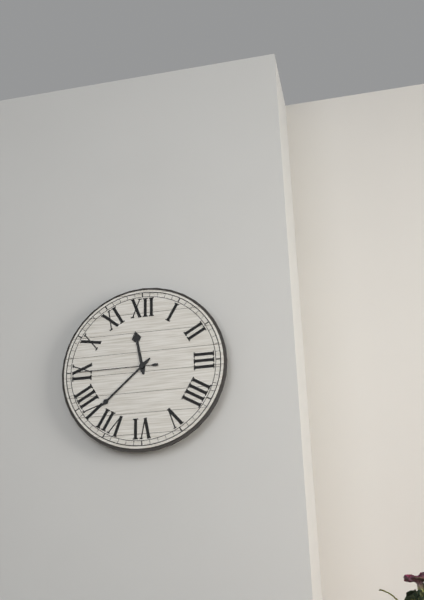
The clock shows **11:38:45**
